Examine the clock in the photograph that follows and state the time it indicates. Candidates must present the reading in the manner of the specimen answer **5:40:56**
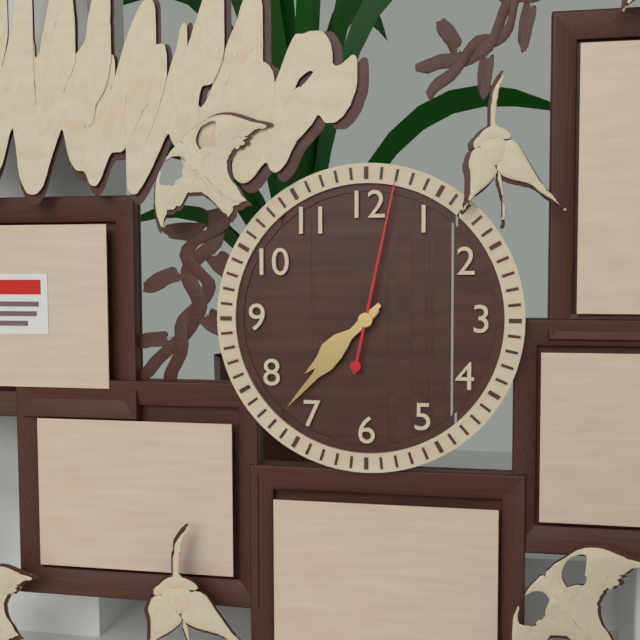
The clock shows **7:37:02**
